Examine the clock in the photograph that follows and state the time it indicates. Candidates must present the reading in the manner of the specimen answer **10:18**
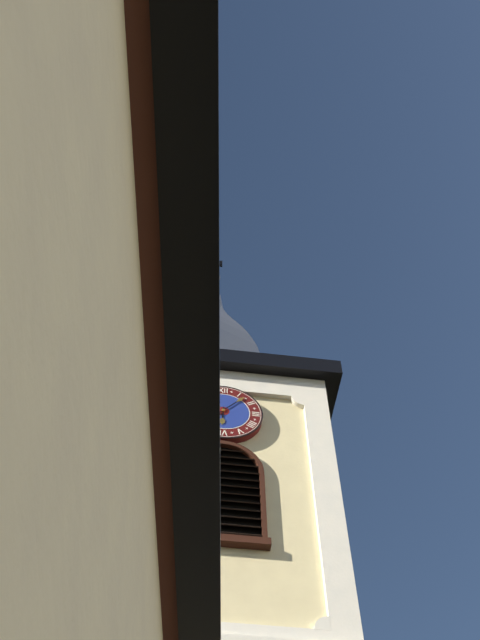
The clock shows **6:07**
